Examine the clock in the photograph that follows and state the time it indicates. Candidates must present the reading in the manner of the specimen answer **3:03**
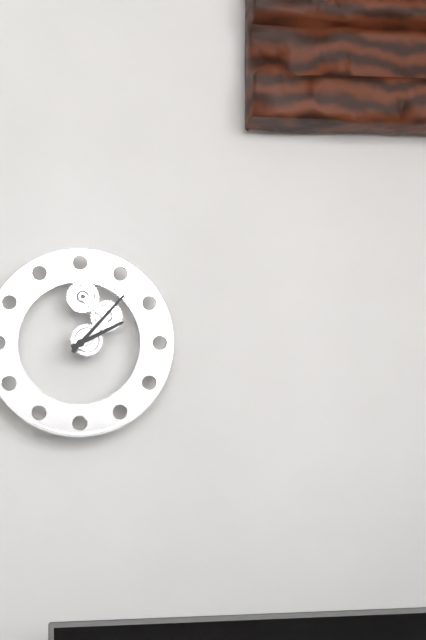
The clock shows **2:07**
